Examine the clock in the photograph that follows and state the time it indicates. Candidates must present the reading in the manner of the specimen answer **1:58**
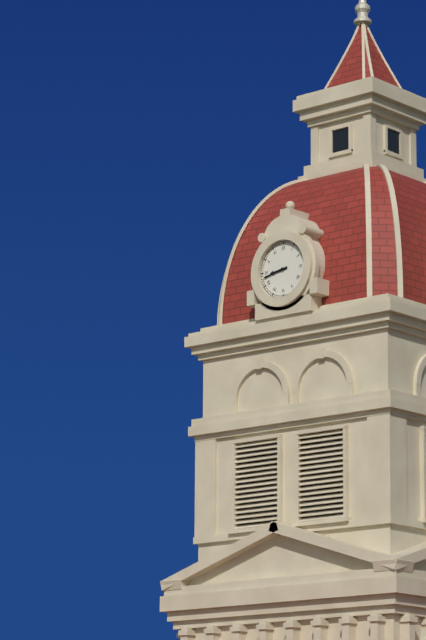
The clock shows **8:43**
